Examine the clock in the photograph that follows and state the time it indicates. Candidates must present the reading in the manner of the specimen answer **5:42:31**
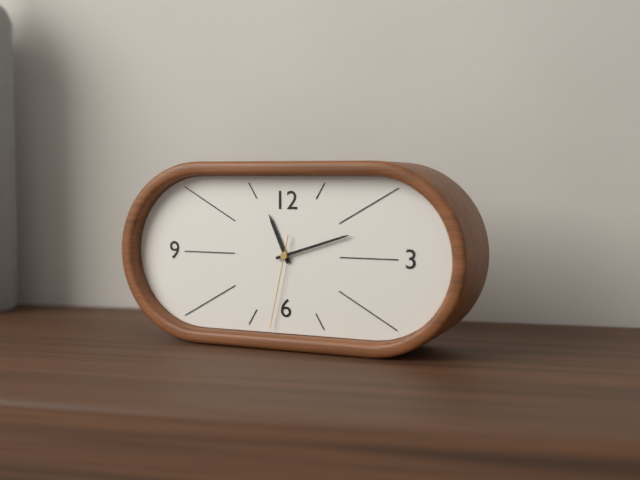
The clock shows **11:12:32**
